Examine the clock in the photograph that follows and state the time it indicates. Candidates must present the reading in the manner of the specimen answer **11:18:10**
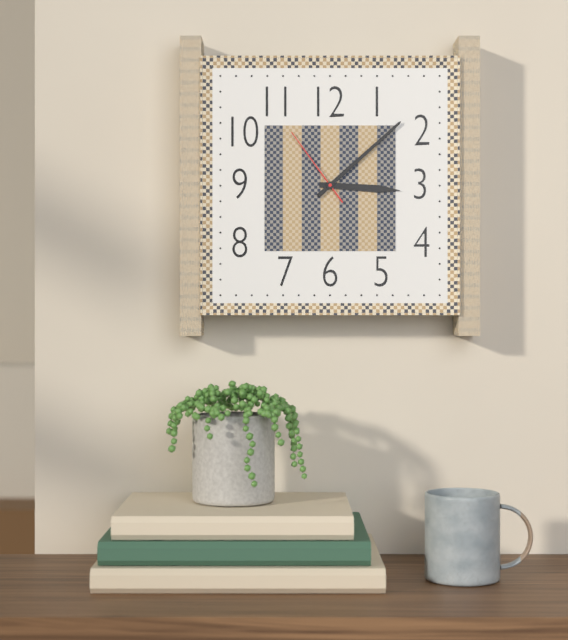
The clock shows **3:08:54**
